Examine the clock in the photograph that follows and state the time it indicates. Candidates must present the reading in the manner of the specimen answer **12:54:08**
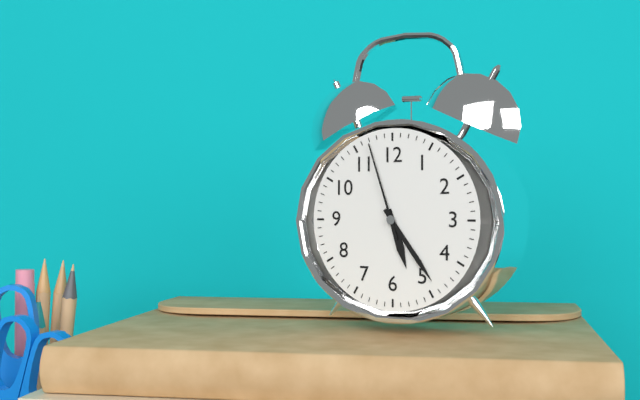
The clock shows **5:24:57**
